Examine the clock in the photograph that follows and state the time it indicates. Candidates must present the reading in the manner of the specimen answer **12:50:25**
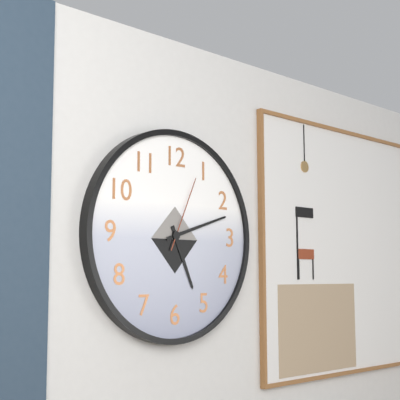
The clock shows **5:12:04**
